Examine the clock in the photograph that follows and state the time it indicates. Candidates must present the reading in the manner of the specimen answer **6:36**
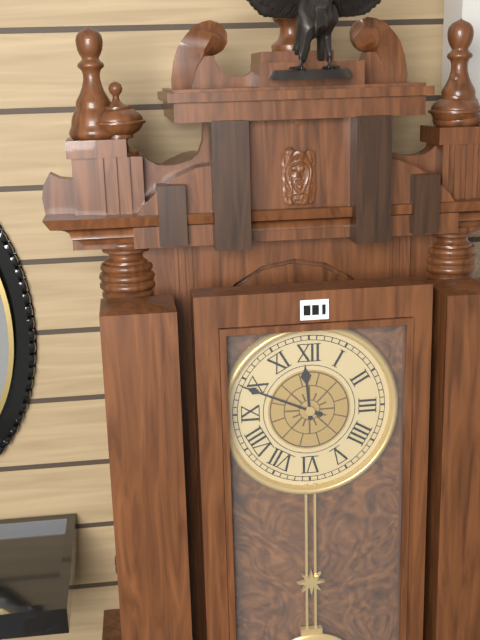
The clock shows **11:49**
